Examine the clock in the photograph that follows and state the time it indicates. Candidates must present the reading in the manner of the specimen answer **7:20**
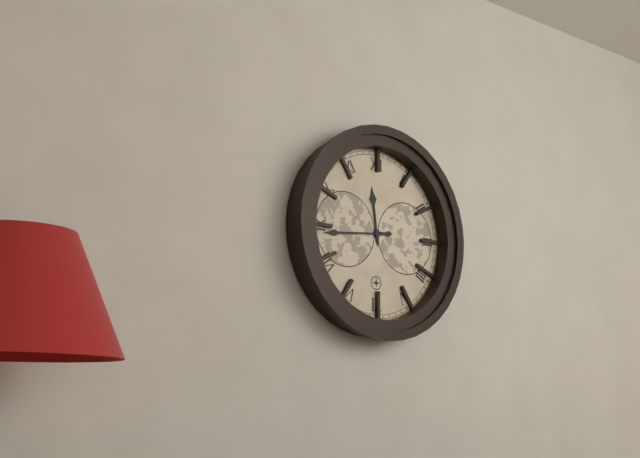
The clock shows **11:44**
